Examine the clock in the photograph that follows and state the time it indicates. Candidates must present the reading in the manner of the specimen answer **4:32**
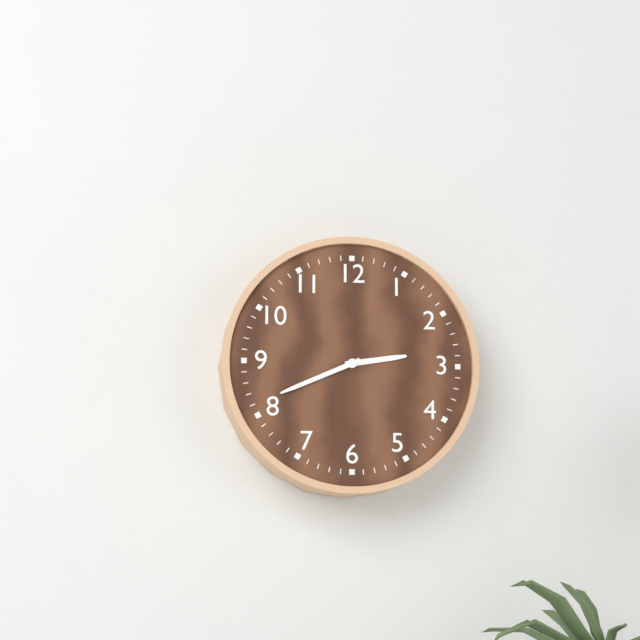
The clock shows **2:41**
